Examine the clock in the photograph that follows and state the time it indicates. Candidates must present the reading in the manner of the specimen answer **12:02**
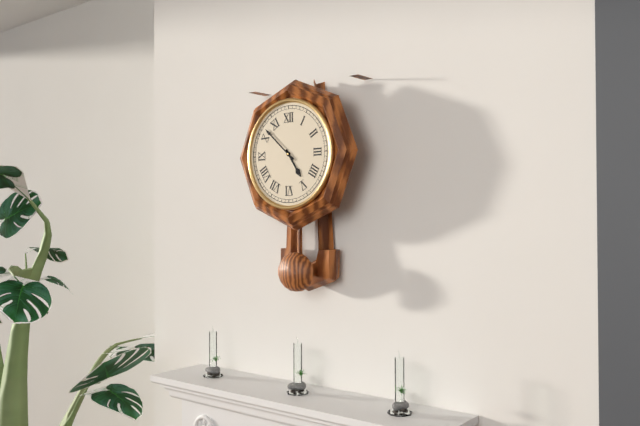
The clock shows **4:52**
